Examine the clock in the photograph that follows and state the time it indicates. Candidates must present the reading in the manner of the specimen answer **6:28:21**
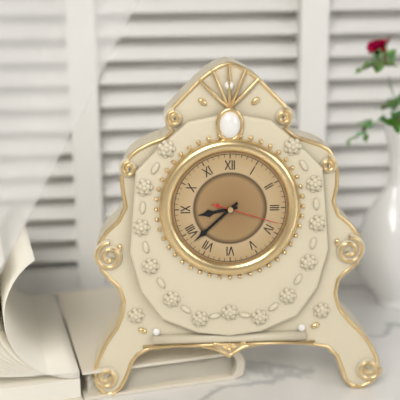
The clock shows **8:38:18**
